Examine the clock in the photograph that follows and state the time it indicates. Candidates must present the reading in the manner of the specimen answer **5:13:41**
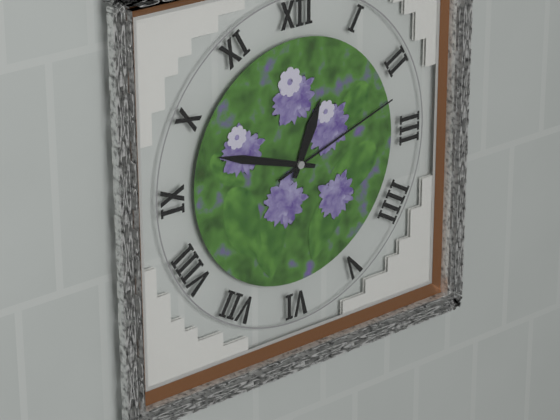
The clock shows **12:48:12**
